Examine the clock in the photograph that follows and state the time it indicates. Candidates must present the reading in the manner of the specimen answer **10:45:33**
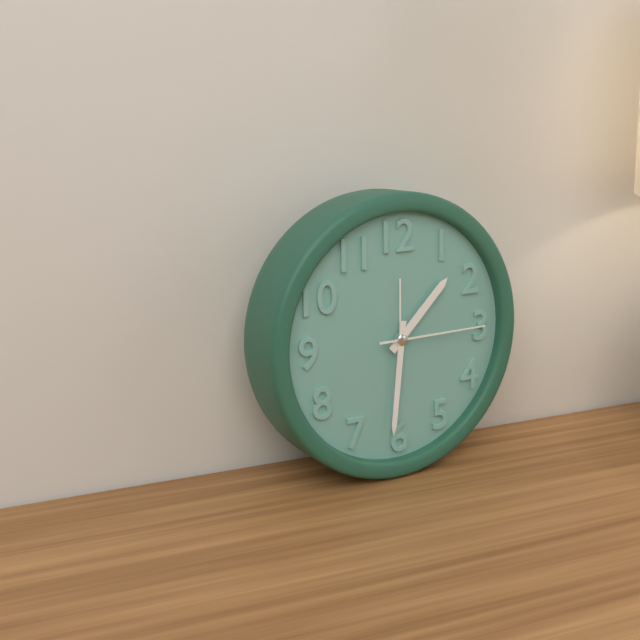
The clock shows **1:31:15**
